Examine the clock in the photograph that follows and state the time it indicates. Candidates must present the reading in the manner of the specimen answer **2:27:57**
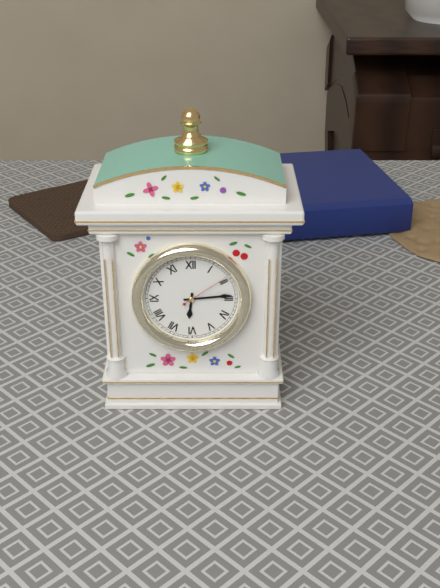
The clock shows **6:14:09**
